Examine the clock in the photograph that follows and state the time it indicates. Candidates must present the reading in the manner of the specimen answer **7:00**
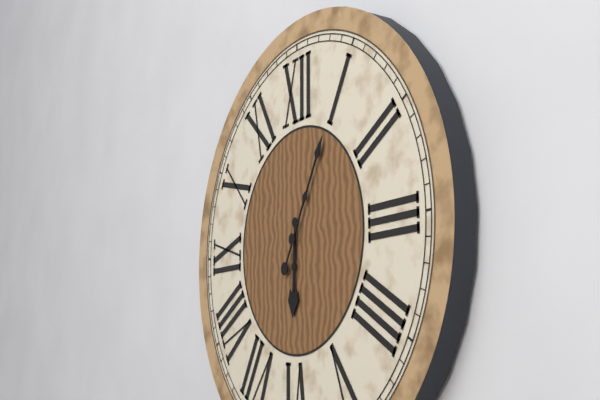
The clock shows **6:05**
